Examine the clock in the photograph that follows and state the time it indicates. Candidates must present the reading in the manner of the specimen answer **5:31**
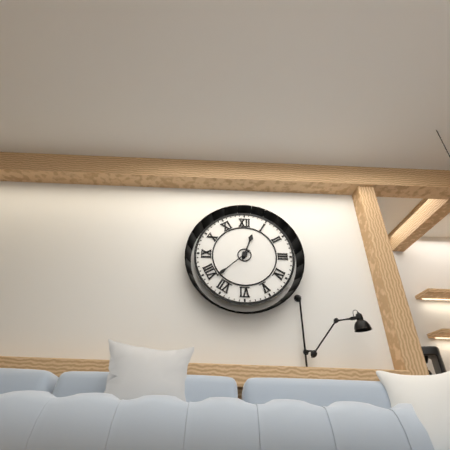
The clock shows **12:38**
